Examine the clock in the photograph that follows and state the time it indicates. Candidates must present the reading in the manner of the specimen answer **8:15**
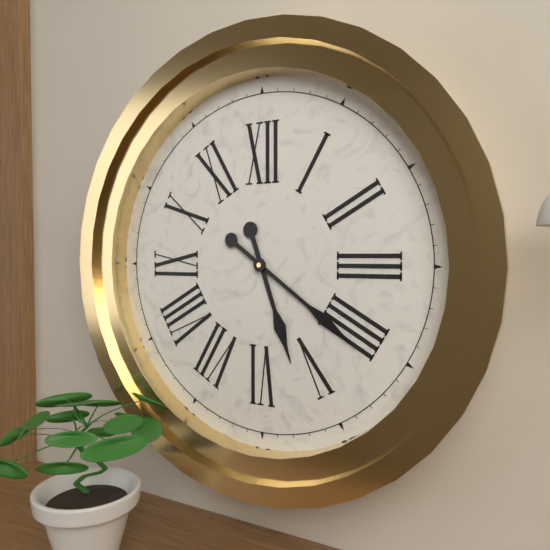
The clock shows **5:21**
